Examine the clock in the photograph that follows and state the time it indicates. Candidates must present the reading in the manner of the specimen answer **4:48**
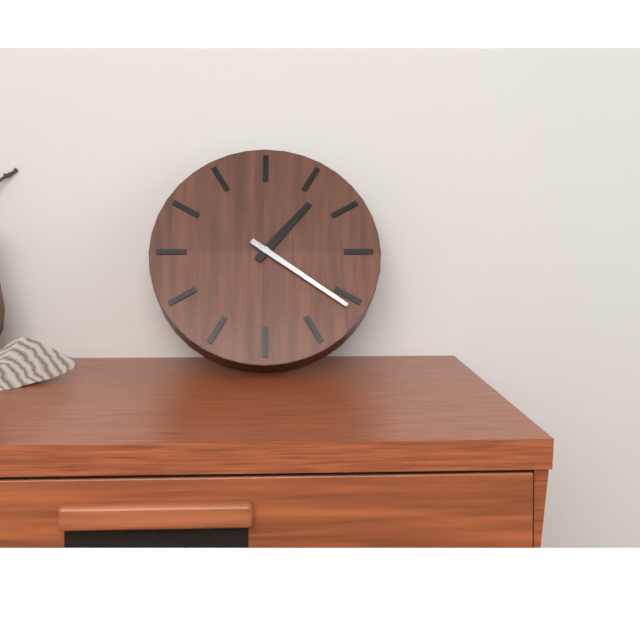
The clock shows **1:21**
